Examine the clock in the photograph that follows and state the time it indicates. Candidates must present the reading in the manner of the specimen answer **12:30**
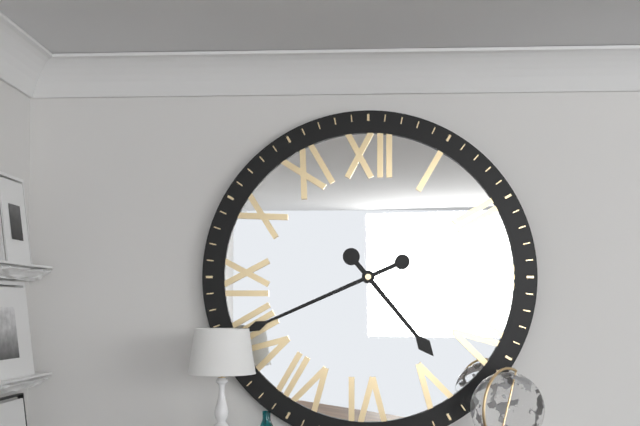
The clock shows **4:41**
